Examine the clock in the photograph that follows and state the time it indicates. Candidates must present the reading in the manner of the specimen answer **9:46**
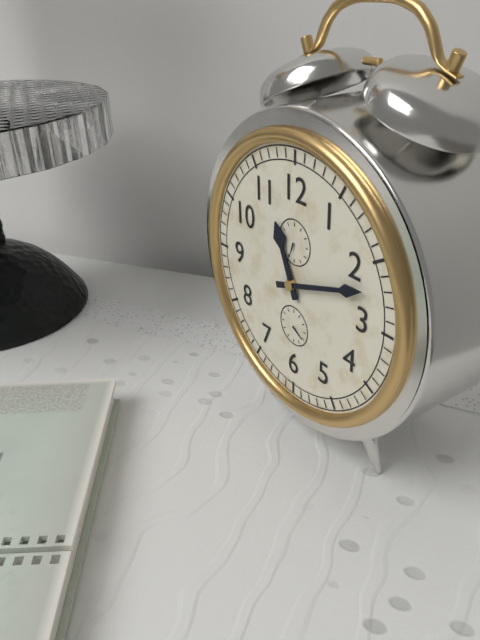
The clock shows **11:12**
